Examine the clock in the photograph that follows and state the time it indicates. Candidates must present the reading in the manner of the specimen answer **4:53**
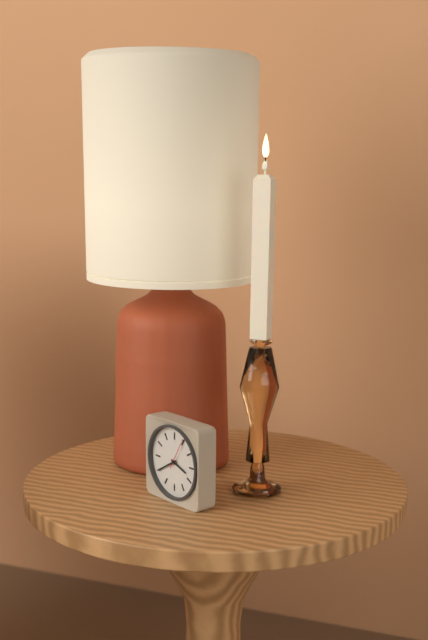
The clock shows **3:40**
